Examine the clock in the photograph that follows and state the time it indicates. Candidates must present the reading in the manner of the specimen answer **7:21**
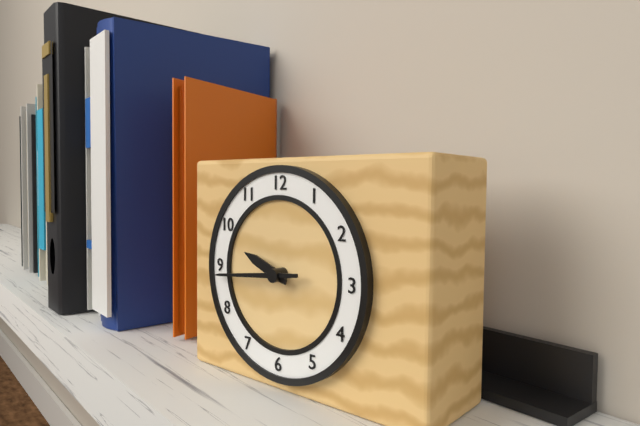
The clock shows **9:44**
